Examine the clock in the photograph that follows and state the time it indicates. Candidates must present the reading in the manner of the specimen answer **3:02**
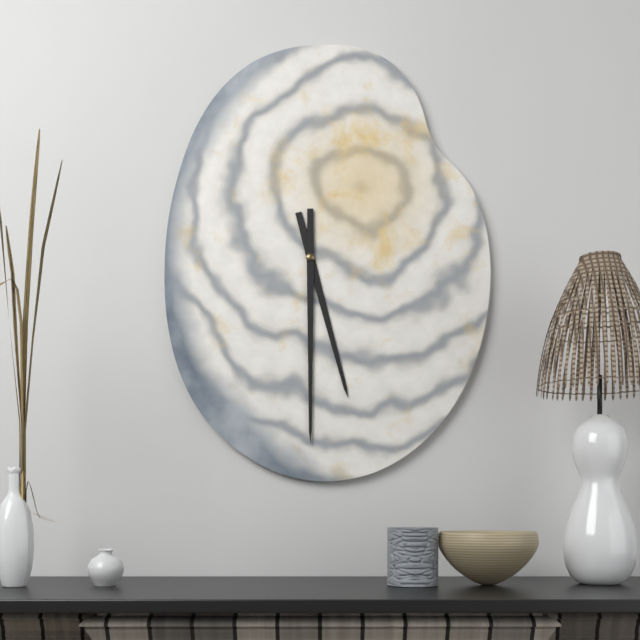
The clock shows **5:30**
